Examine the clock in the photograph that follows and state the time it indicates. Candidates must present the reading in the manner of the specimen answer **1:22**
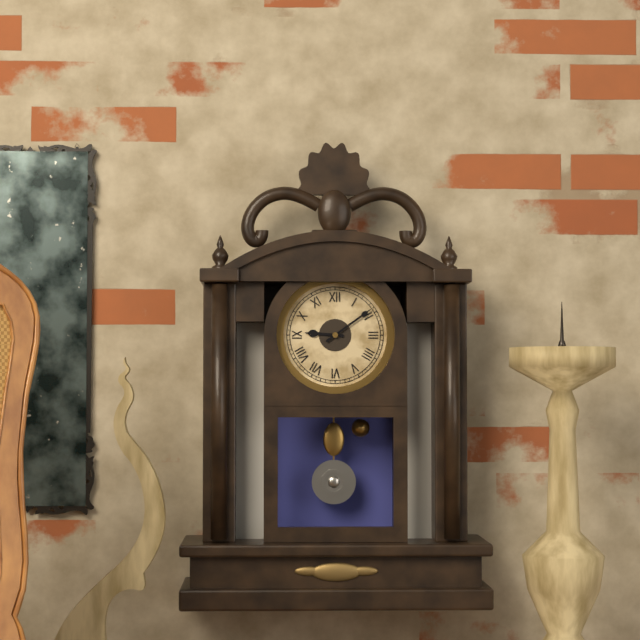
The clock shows **9:09**
